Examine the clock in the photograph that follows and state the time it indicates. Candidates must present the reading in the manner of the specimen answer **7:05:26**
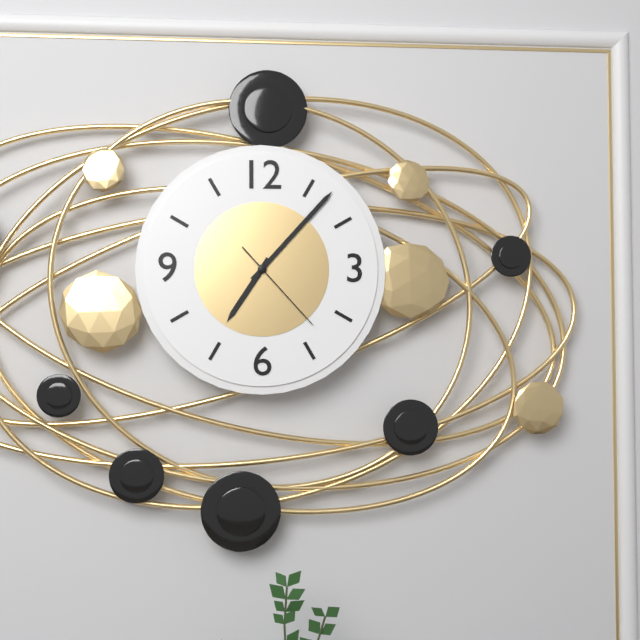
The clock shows **7:07:23**
